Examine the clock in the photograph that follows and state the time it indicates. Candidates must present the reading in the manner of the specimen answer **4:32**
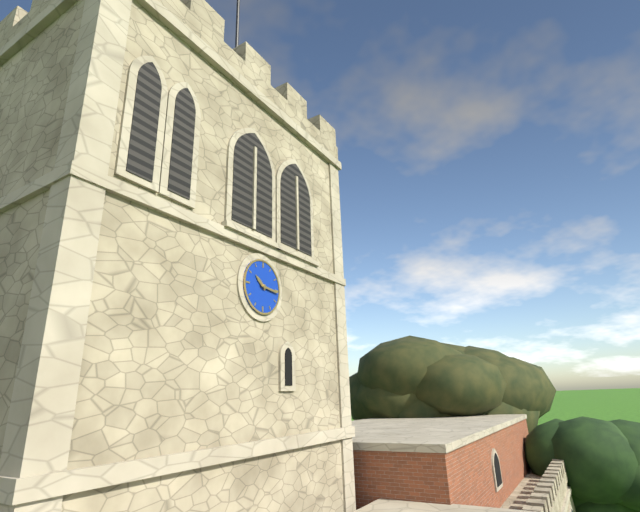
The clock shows **10:16**
